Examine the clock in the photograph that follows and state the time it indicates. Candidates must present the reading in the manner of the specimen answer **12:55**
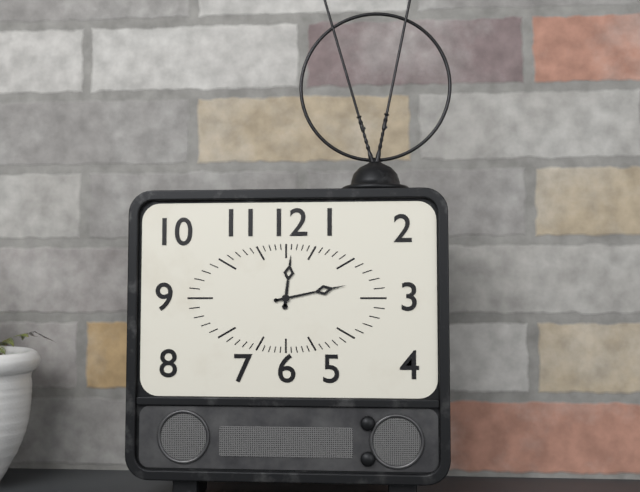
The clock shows **12:13**
